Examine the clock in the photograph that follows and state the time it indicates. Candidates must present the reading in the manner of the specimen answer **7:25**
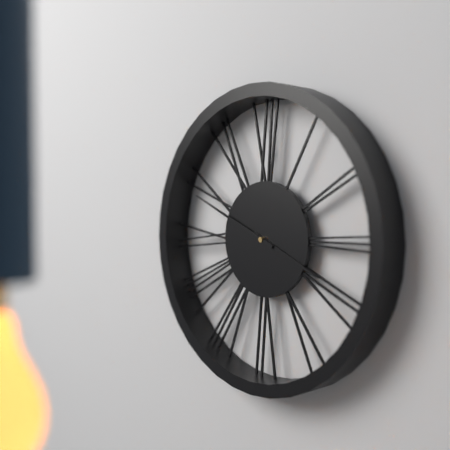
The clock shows **3:49**
